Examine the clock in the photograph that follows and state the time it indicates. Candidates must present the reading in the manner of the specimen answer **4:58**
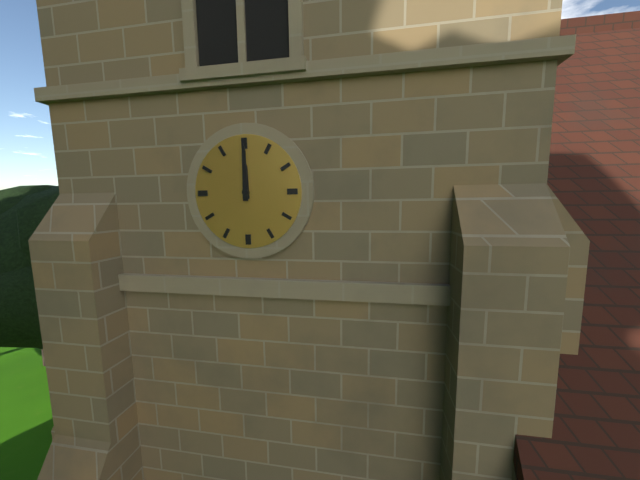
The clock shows **12:00**
